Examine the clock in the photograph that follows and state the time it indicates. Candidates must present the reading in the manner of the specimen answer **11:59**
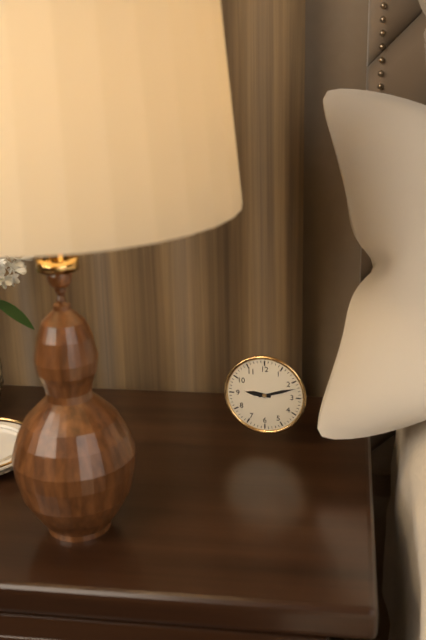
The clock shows **9:12**
